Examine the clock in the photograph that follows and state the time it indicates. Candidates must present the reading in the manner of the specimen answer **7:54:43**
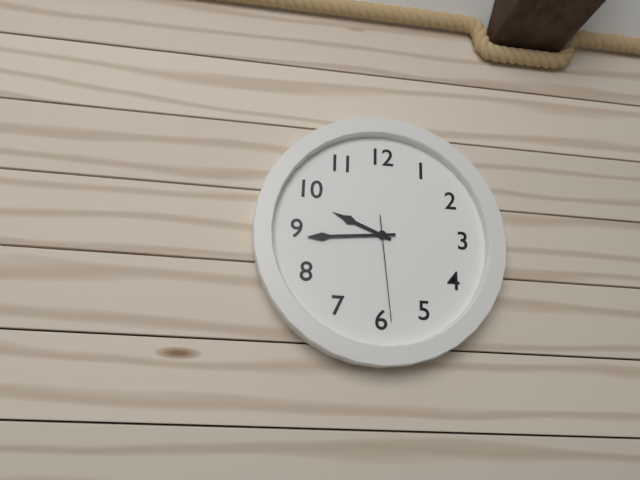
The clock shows **9:44:29**
